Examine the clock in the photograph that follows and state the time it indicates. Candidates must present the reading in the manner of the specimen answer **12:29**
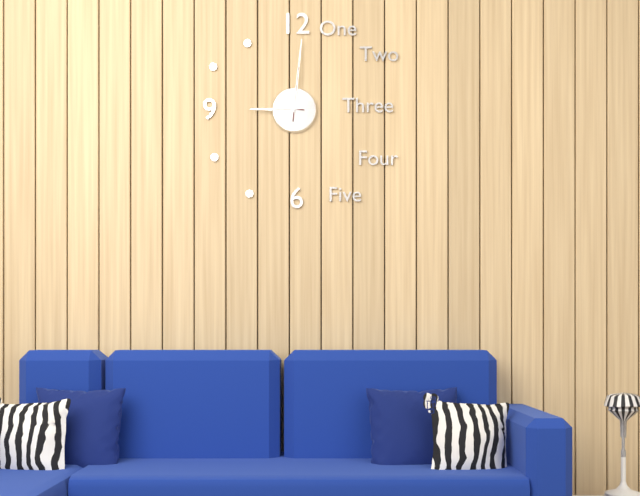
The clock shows **9:01**
